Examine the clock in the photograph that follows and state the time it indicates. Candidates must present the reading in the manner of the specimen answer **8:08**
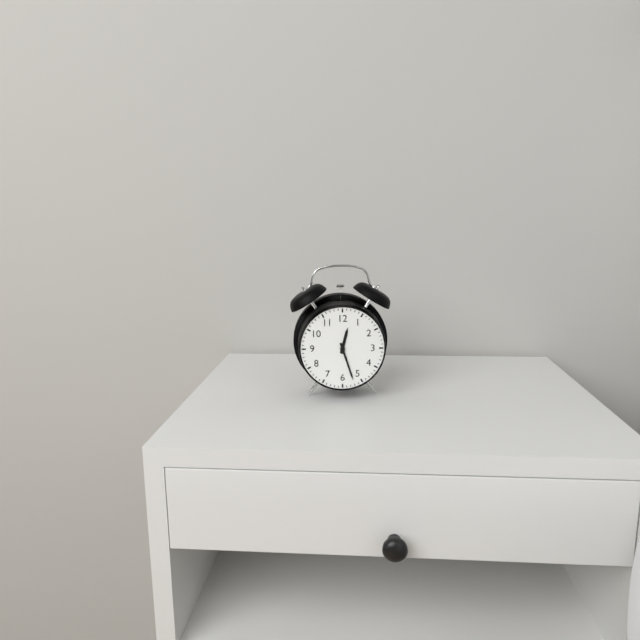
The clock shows **12:27**
